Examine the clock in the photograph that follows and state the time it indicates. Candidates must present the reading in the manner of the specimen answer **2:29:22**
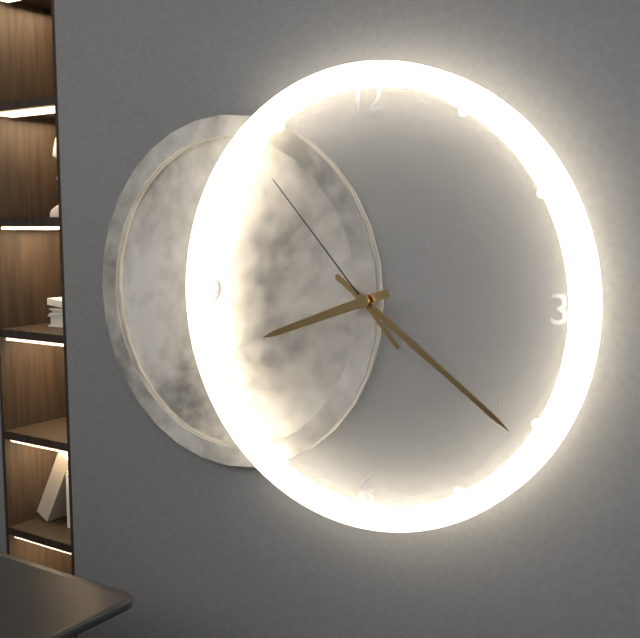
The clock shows **8:21:53**
